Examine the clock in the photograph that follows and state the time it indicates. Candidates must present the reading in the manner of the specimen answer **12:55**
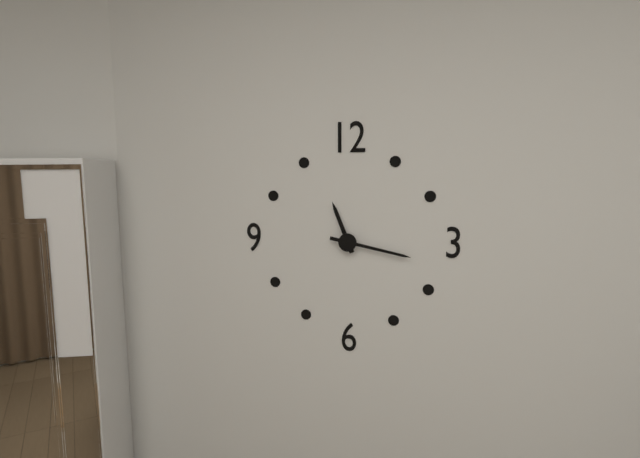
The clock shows **11:17**
